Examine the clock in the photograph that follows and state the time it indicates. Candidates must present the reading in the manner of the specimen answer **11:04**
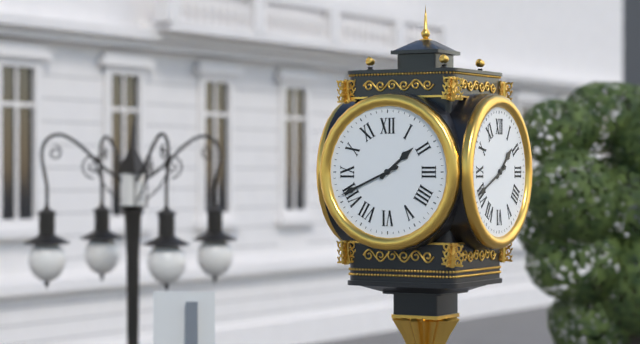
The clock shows **1:41**
